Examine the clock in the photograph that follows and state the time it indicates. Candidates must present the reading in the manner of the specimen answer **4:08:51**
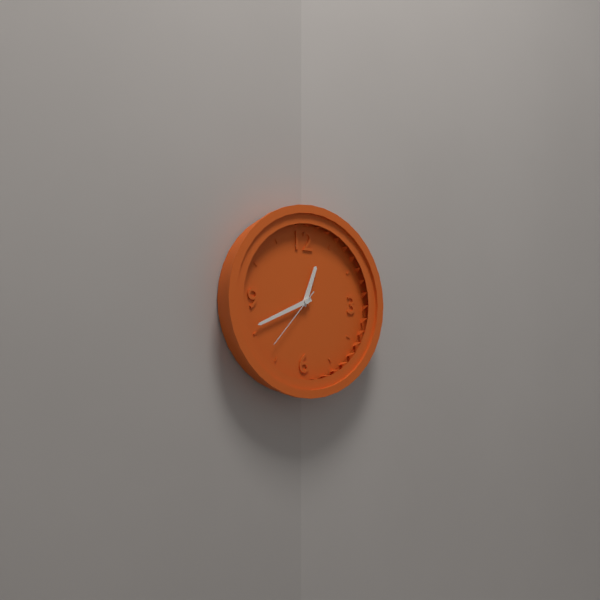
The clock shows **12:41:37**
